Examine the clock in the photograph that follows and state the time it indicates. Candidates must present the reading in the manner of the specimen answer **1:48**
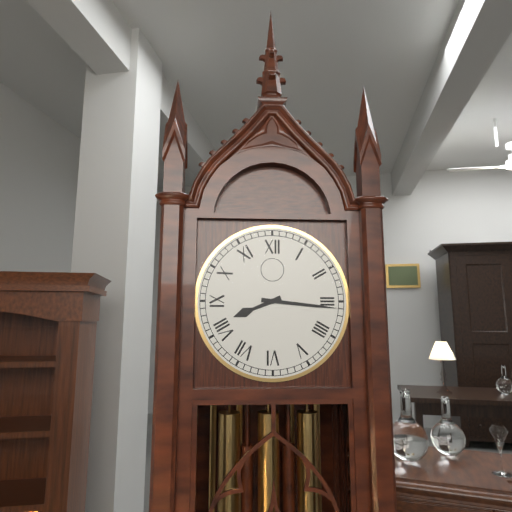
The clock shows **8:16**
